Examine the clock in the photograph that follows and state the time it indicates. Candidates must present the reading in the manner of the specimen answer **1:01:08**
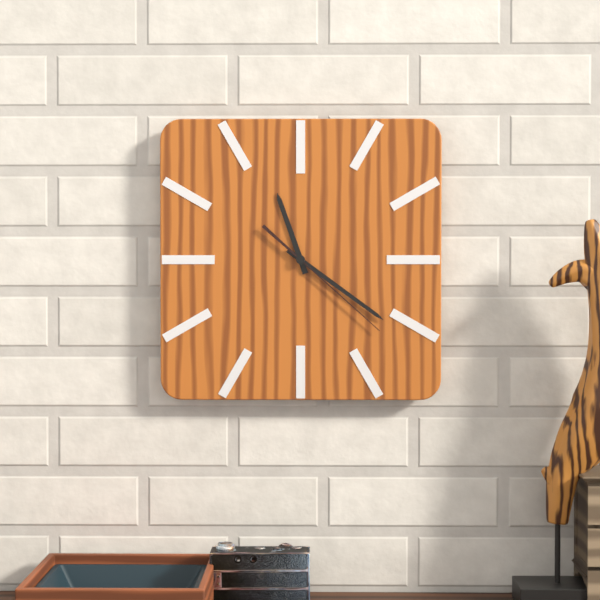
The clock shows **11:21:22**
